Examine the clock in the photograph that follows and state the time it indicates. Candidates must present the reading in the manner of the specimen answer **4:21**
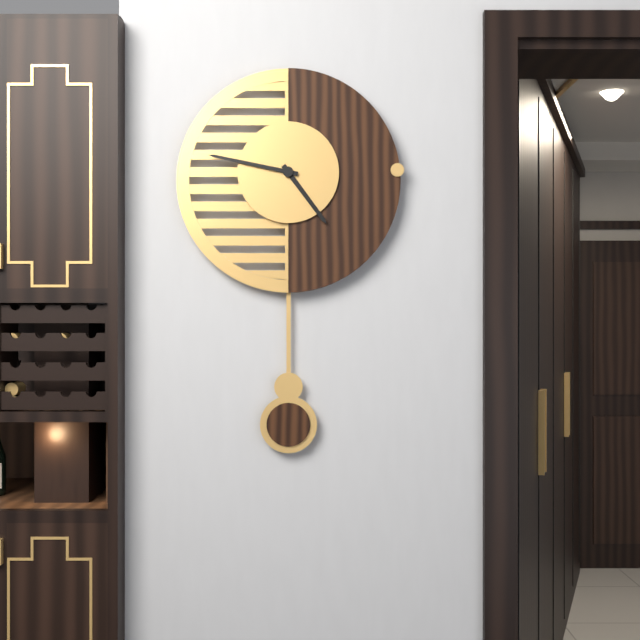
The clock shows **4:47**
